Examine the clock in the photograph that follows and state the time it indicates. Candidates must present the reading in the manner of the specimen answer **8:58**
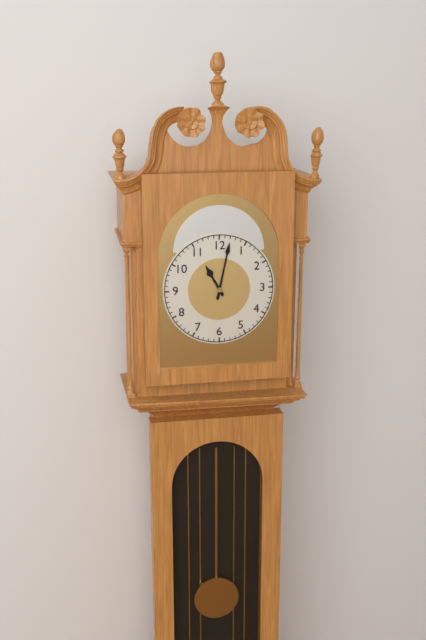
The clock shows **11:02**
